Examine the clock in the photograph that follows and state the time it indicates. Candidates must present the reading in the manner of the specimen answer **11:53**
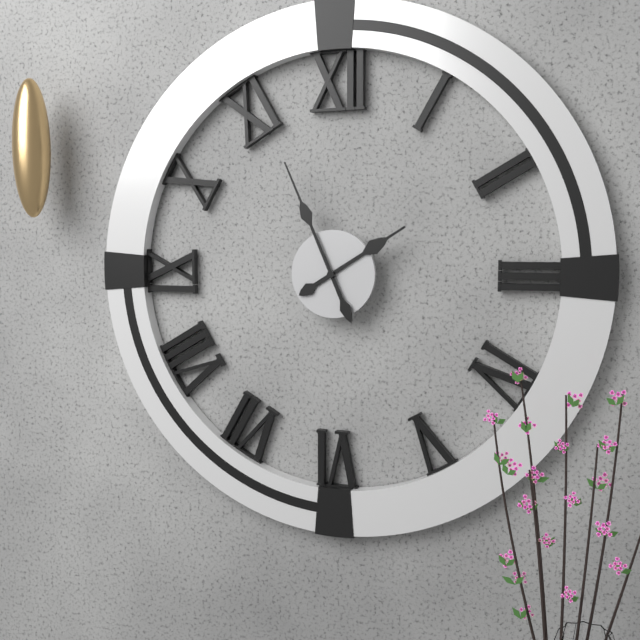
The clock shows **1:56**
